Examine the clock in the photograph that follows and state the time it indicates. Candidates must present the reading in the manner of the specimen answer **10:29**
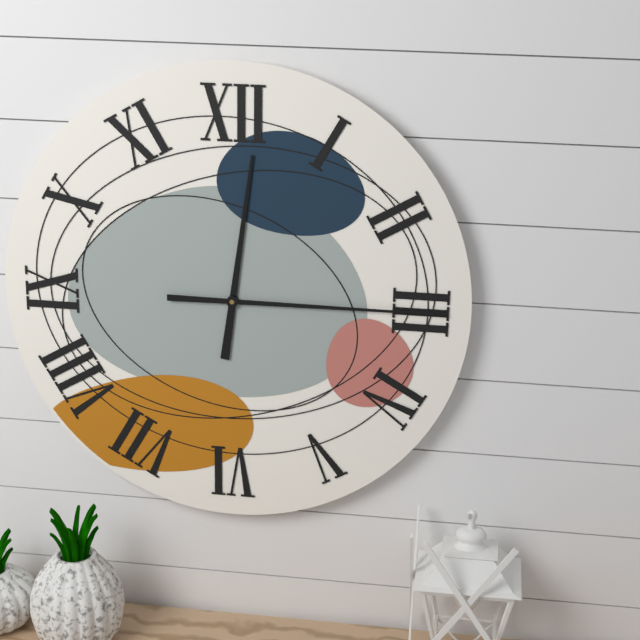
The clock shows **12:15**
